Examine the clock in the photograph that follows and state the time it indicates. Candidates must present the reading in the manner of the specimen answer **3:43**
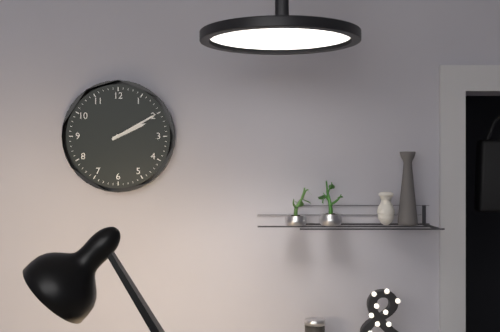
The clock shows **2:10**
